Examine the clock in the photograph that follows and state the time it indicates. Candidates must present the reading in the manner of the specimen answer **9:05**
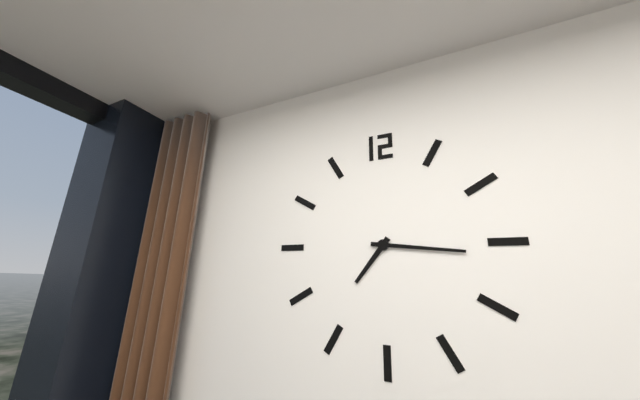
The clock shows **7:16**
